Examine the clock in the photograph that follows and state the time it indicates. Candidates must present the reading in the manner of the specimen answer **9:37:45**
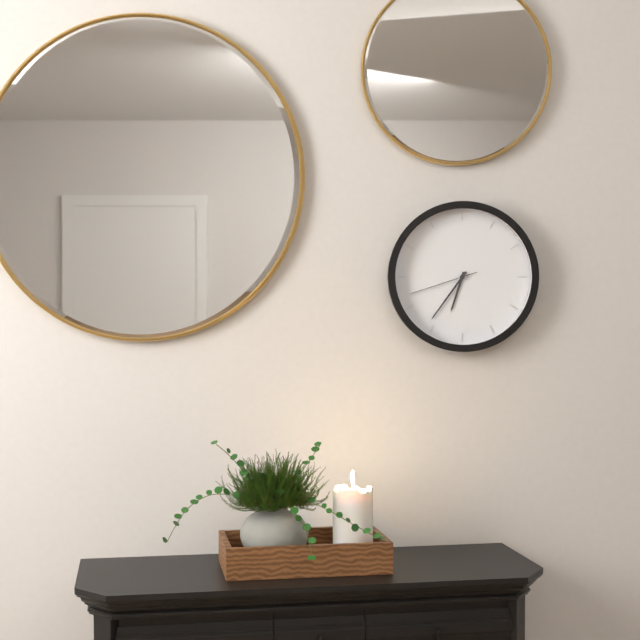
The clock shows **6:36:42**
